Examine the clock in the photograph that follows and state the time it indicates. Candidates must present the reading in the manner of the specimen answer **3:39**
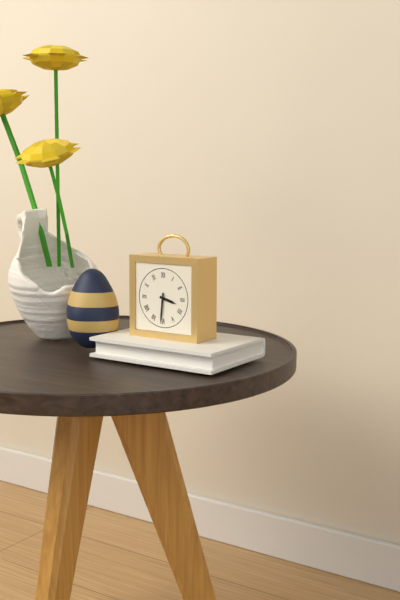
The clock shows **3:31**
